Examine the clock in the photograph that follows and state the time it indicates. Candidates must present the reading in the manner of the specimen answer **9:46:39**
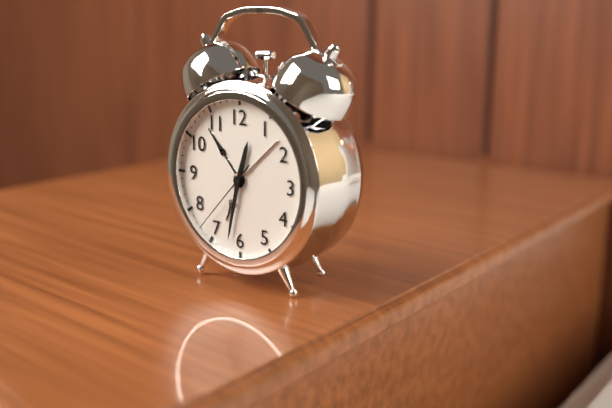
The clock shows **12:32:37**
